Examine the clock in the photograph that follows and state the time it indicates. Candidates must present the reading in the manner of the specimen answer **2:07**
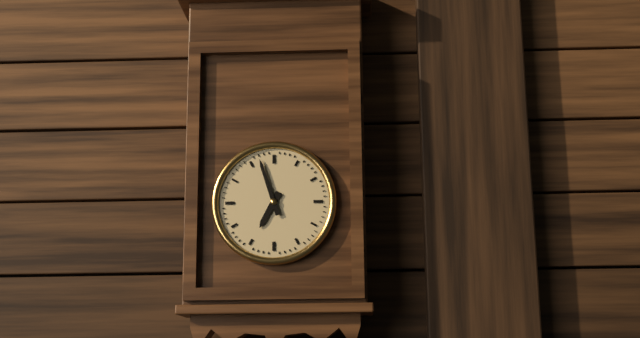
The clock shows **6:57**
